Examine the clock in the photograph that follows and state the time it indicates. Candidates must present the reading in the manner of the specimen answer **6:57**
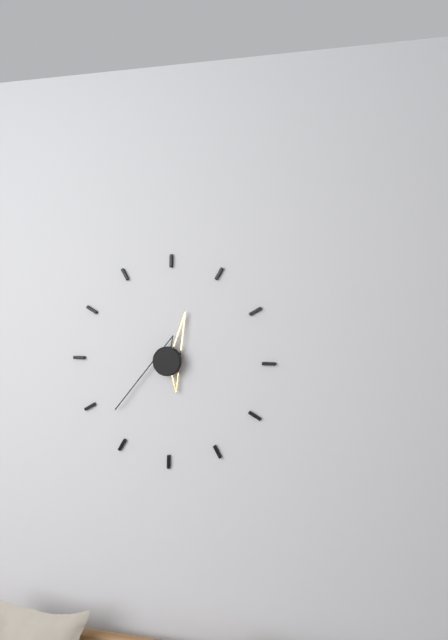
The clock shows **12:38**
